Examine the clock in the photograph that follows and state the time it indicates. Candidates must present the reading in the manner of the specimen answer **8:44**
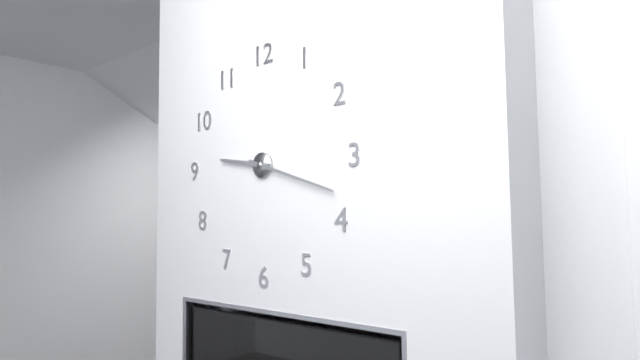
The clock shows **9:18**
